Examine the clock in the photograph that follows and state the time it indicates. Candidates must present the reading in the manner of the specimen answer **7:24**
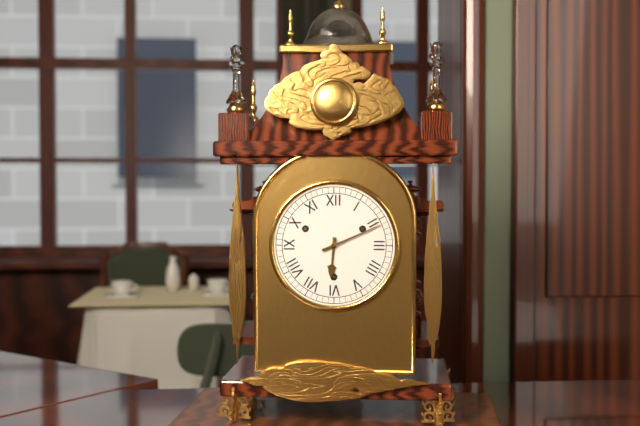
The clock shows **6:11**
